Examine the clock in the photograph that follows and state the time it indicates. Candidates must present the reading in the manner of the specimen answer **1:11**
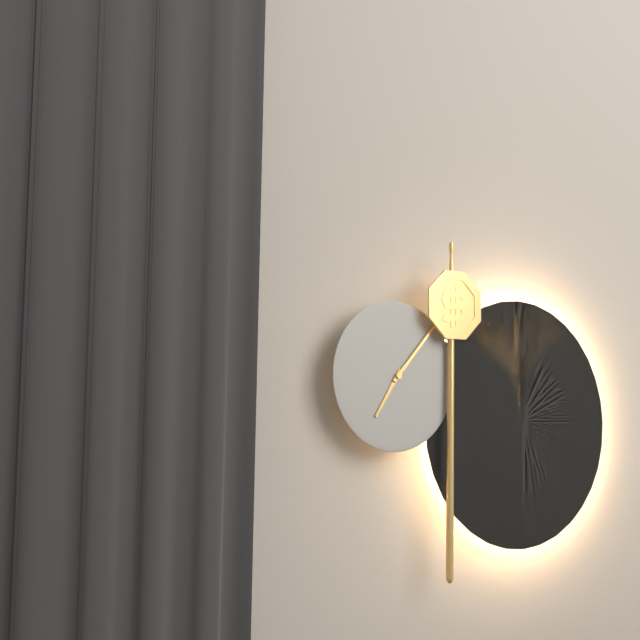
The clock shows **7:07**
